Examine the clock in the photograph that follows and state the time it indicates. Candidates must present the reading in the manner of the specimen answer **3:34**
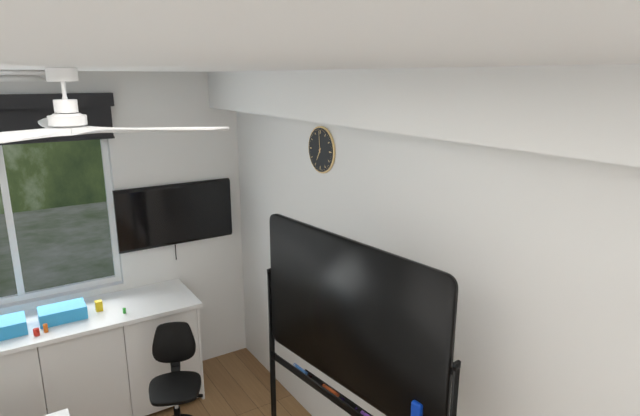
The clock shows **6:59**
